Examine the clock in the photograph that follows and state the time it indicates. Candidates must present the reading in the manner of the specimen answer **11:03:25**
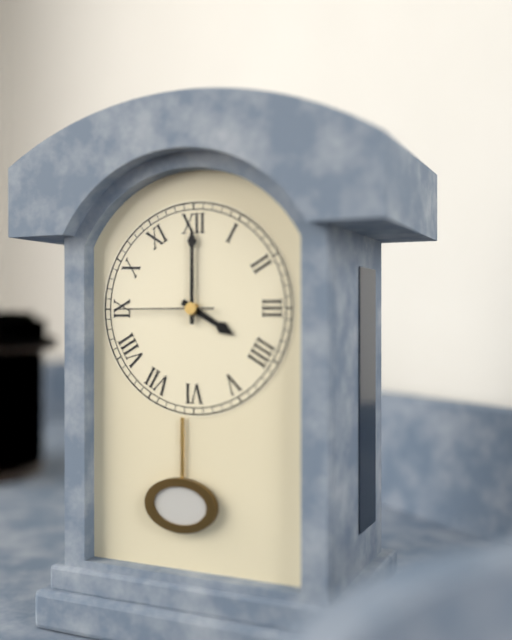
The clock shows **4:00:45**
